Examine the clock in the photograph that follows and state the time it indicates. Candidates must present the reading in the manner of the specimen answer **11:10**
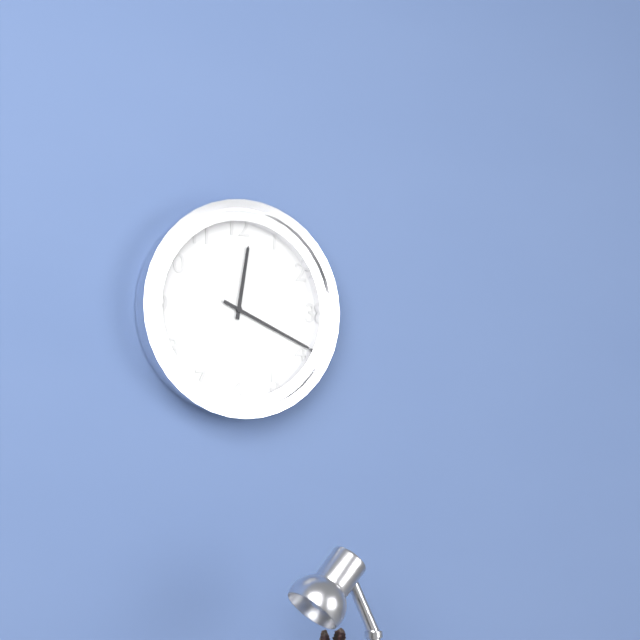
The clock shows **12:19**
